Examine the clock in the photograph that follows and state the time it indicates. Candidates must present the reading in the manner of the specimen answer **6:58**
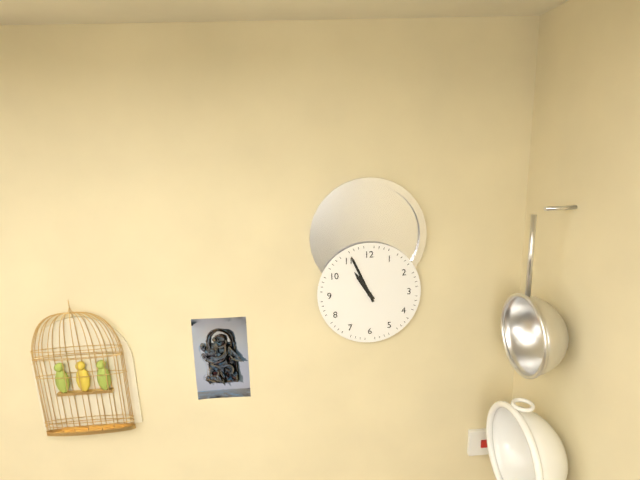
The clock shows **10:56**
